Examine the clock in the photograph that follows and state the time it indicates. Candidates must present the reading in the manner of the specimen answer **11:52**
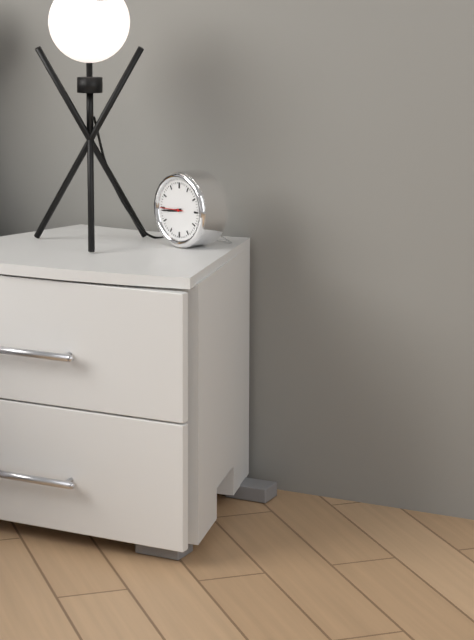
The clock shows **8:44**
